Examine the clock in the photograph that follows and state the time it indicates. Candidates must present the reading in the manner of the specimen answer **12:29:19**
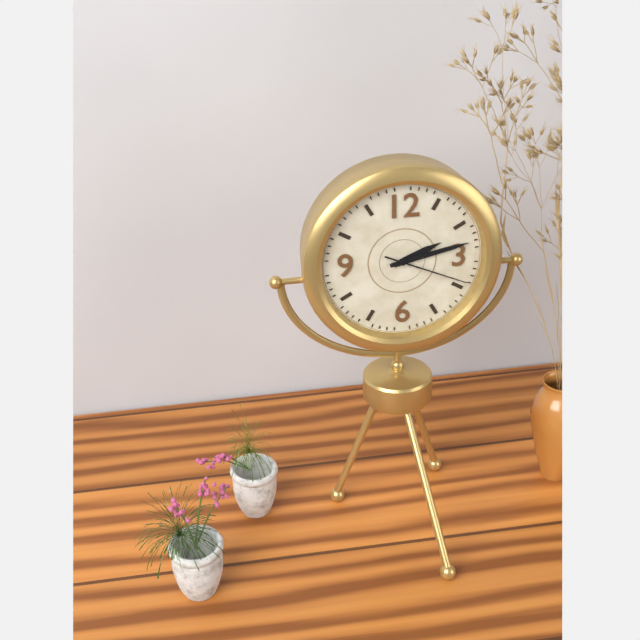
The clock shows **2:13:19**
